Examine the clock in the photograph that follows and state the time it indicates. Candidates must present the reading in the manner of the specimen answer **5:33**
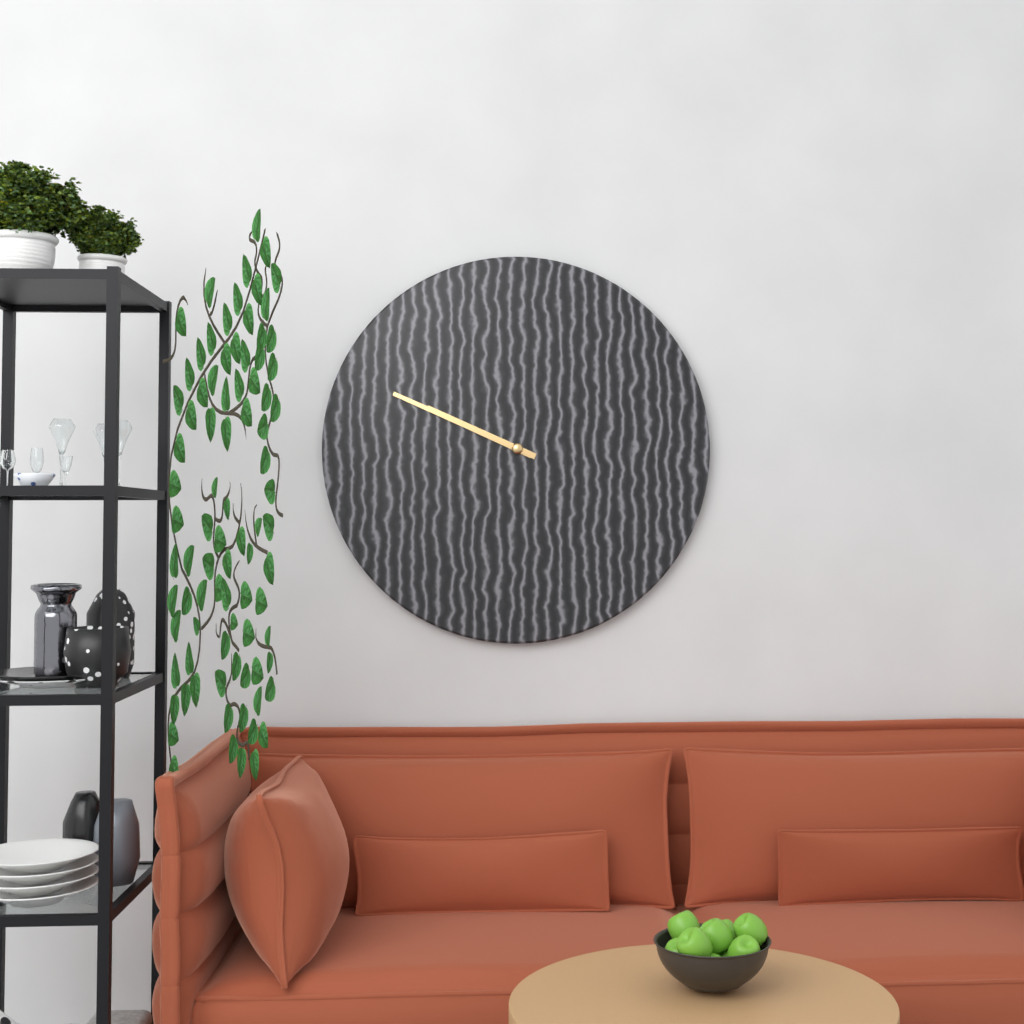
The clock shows **9:49**
